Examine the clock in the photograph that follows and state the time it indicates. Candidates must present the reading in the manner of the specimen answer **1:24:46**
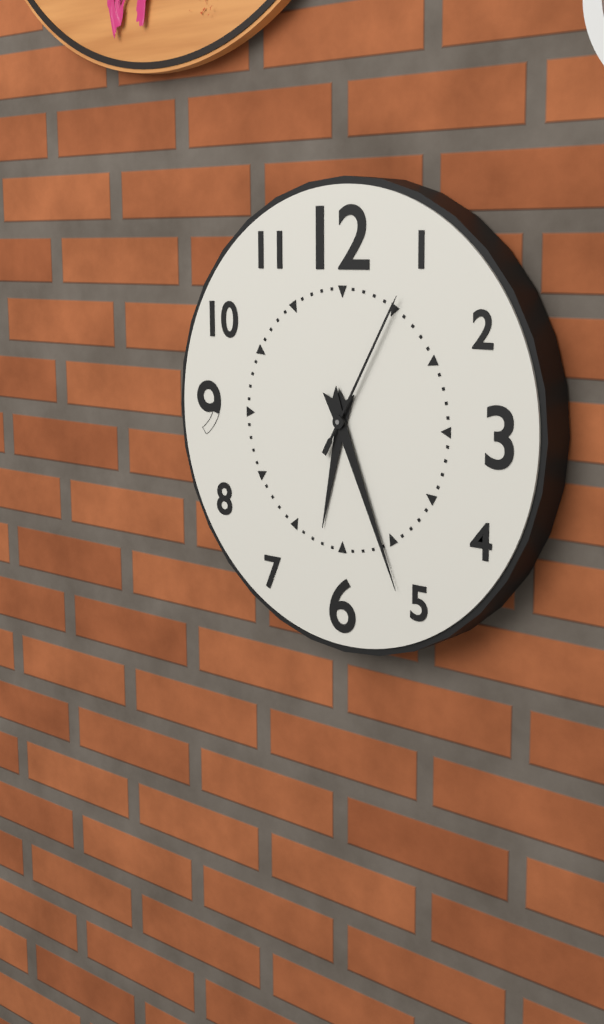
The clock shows **6:26:05**
